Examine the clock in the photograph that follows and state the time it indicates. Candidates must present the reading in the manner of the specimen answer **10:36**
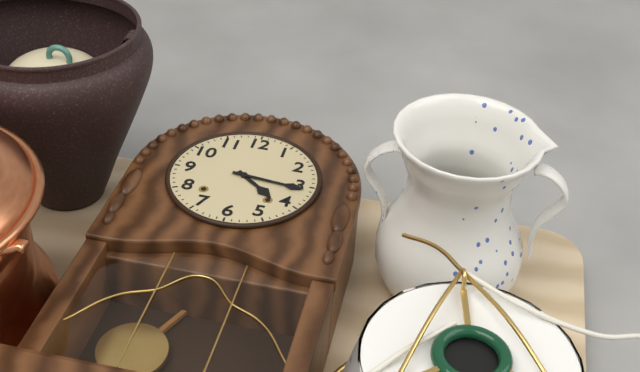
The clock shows **4:16**
